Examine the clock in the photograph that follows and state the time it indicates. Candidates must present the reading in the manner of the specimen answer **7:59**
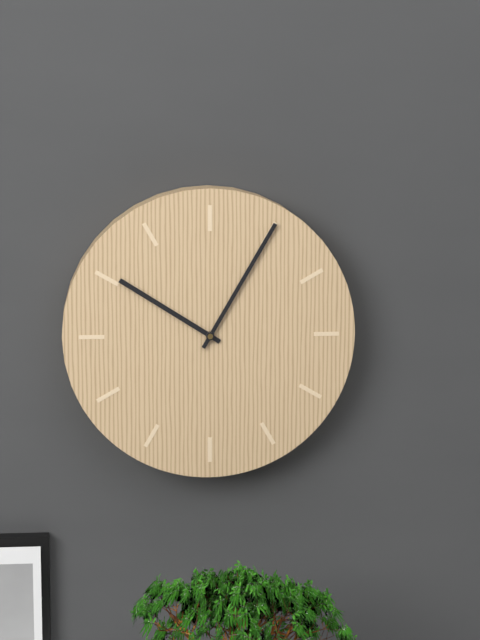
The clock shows **10:05**
